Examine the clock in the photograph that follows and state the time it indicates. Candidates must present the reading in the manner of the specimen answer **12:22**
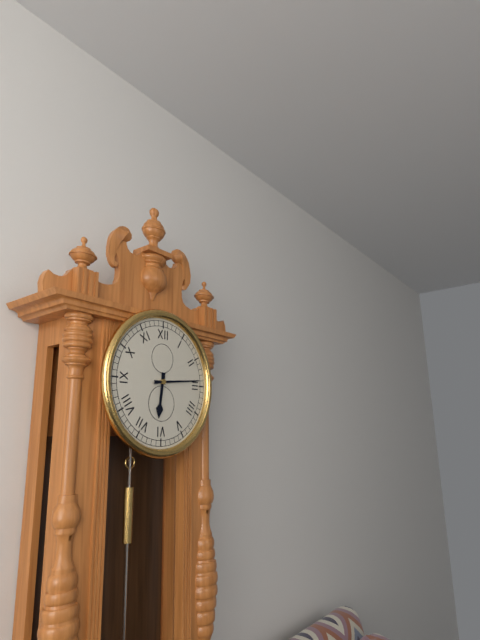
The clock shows **6:14**
